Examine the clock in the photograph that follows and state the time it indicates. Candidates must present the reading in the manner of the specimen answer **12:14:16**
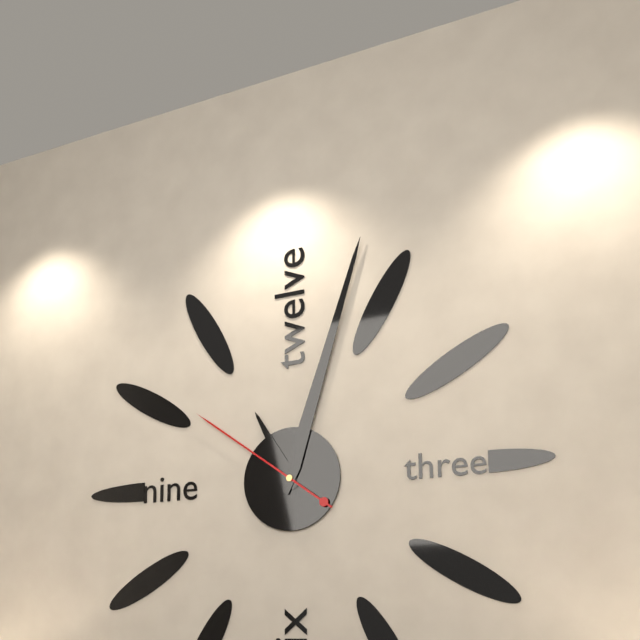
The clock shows **11:03:51**
